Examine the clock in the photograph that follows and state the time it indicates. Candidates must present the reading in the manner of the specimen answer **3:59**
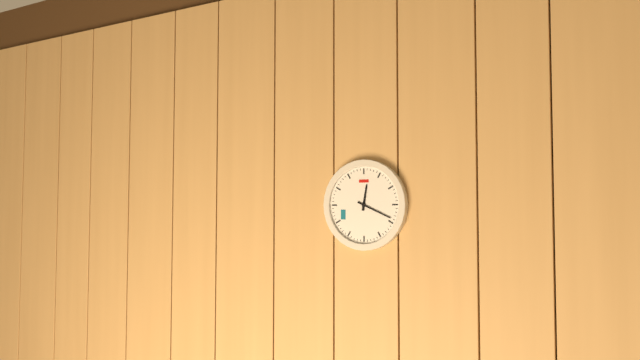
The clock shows **12:19**
